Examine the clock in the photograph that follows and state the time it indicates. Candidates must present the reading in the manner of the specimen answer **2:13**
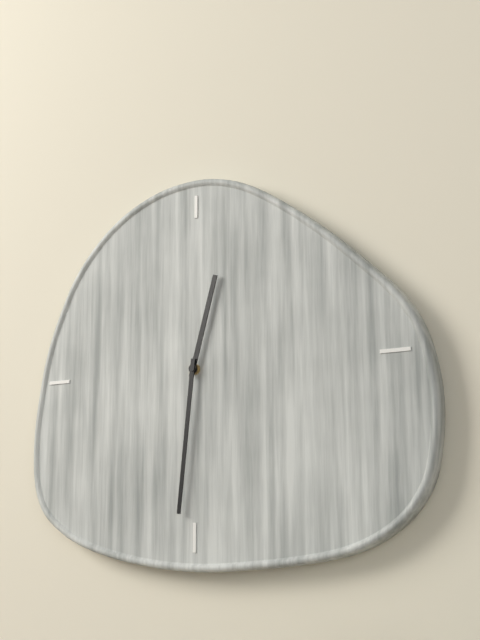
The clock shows **12:31**
